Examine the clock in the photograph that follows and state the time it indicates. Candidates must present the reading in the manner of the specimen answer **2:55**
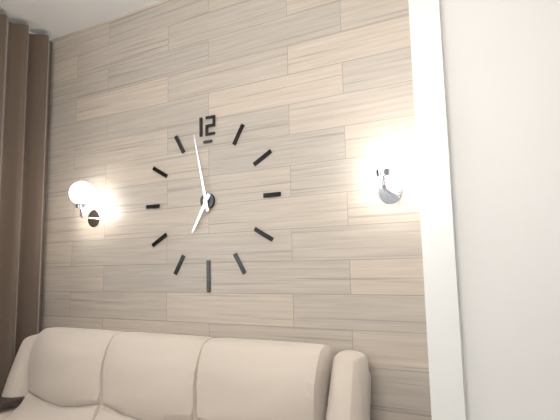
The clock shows **6:58**
